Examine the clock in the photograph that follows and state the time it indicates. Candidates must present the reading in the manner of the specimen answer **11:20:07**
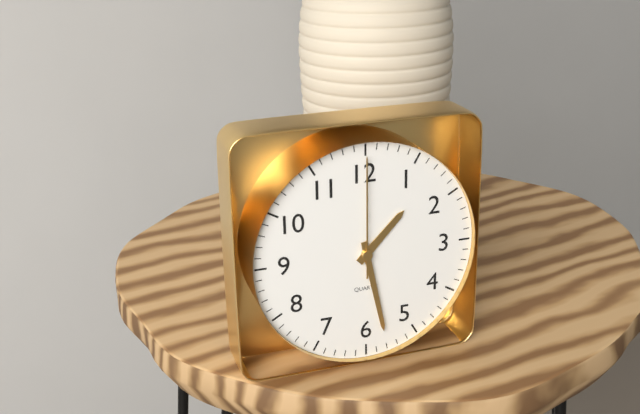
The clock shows **1:28:00**
